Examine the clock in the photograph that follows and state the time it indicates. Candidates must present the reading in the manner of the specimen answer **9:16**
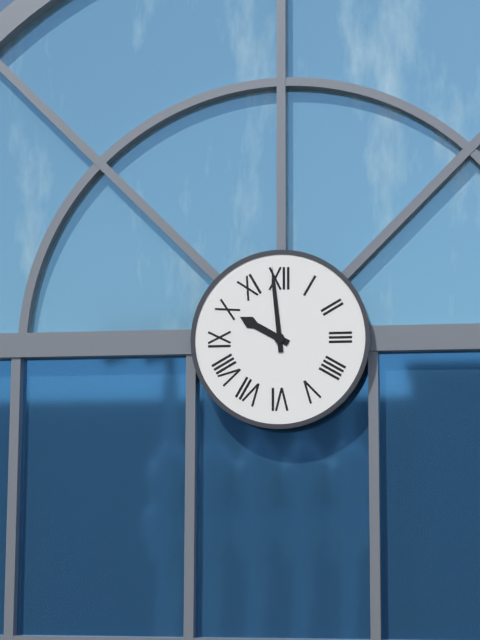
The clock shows **9:59**
